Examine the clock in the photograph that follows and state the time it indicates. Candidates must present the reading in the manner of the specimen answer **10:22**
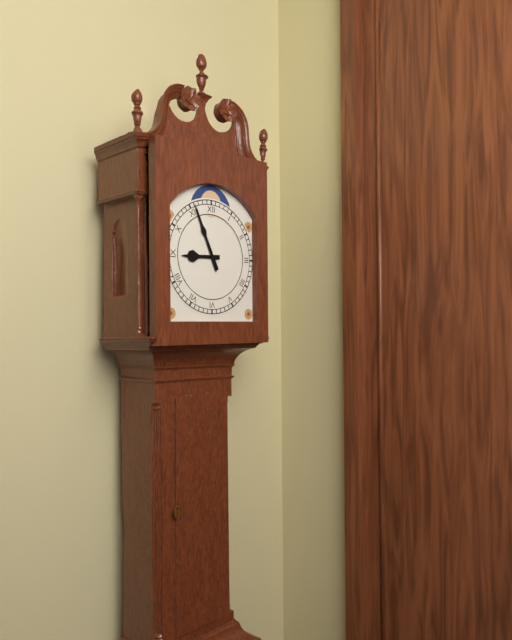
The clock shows **8:56**
